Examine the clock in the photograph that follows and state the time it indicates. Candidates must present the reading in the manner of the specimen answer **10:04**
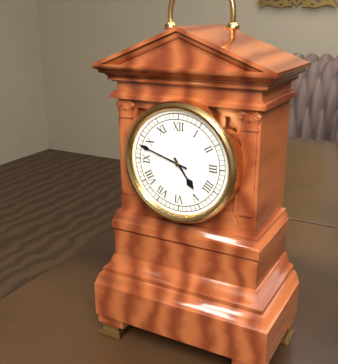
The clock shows **4:48**
